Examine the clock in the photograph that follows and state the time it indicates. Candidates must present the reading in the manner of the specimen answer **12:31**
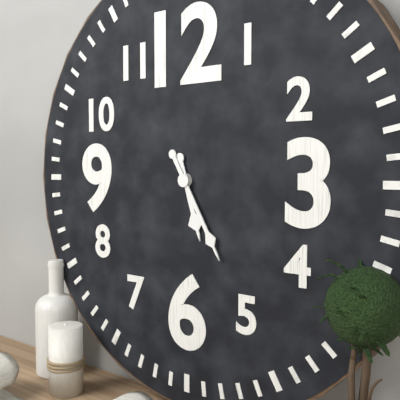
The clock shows **5:25**
